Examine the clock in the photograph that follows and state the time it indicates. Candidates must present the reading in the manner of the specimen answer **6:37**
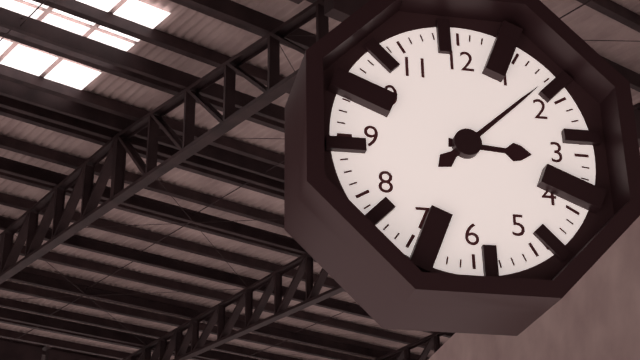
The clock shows **3:08**
